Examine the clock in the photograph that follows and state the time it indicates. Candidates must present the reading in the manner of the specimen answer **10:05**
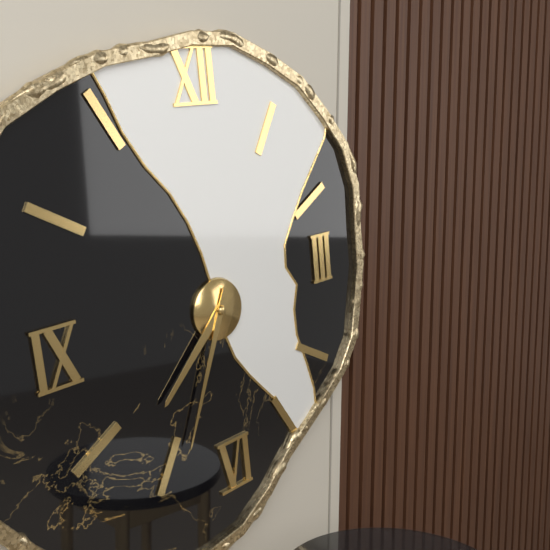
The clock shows **7:34**
